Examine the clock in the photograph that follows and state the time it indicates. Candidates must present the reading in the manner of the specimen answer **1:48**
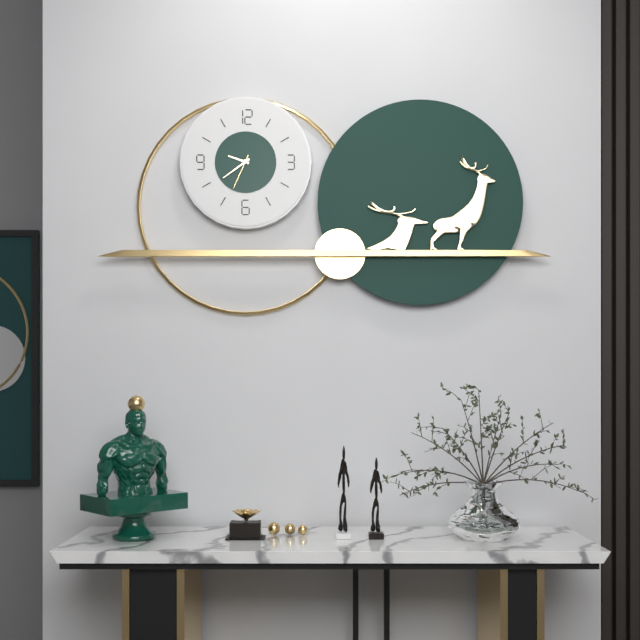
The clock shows **9:39**
